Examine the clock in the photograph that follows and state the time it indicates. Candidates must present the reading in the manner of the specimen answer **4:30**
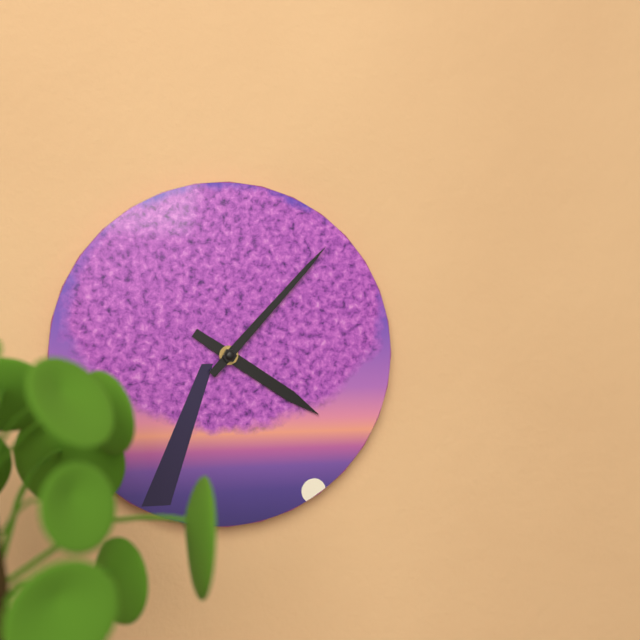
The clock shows **4:07**
